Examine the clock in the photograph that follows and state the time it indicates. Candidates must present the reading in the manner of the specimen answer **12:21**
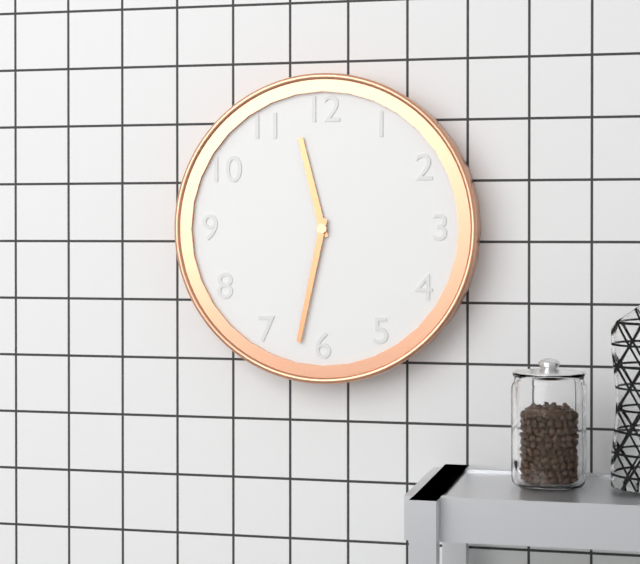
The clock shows **11:32**
